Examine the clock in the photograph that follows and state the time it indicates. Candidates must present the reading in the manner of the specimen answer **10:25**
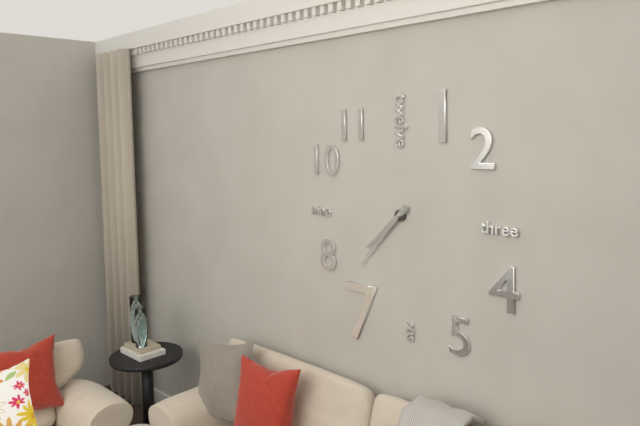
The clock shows **7:37**
